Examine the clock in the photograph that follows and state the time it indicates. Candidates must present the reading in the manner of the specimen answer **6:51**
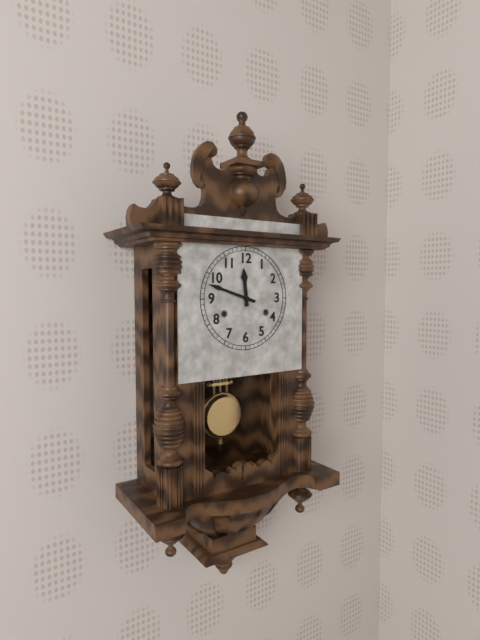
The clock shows **11:48**
